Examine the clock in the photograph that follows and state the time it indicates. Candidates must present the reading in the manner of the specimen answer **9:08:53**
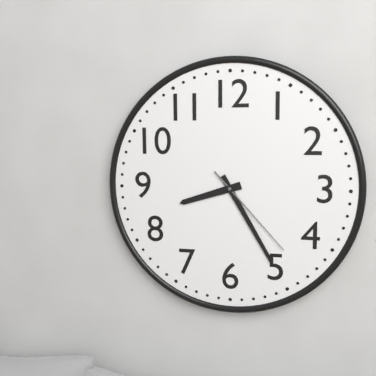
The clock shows **8:25:23**
